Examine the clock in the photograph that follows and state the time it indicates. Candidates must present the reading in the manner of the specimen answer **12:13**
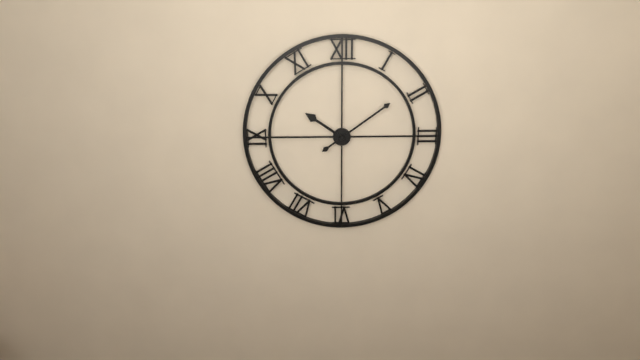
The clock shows **10:09**
